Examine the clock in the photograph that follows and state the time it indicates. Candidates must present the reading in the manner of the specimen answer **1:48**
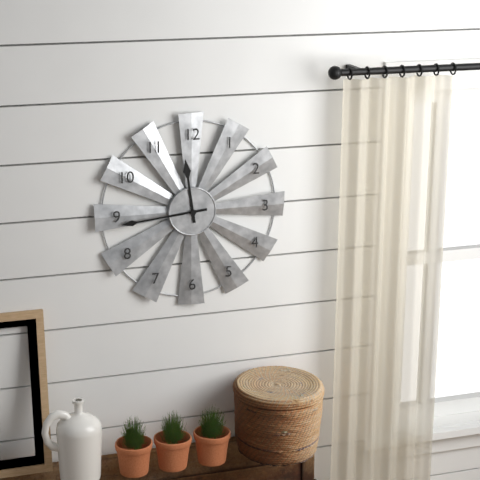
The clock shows **11:44**
